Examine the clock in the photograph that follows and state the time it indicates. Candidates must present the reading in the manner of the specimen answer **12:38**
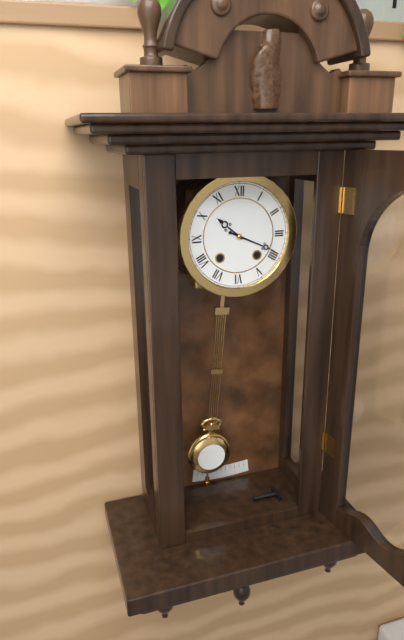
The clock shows **10:19**
